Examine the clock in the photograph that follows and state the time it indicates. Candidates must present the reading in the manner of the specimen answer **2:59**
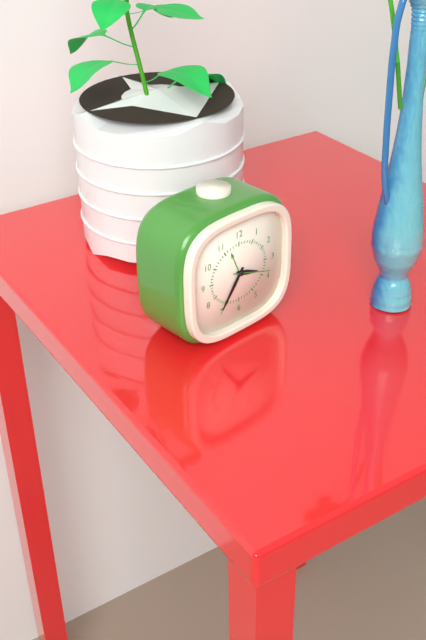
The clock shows **3:36**
